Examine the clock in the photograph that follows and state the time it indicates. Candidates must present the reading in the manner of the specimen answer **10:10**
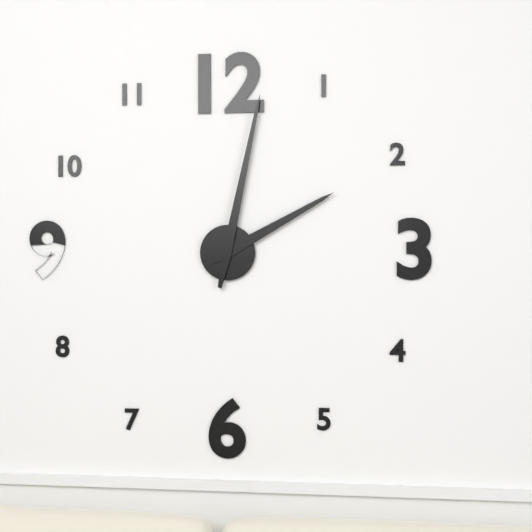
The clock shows **2:02**
